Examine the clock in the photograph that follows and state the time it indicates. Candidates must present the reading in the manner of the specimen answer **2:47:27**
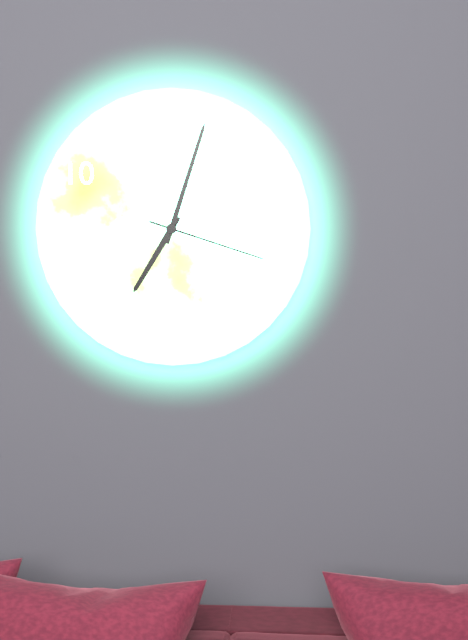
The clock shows **7:03:18**
